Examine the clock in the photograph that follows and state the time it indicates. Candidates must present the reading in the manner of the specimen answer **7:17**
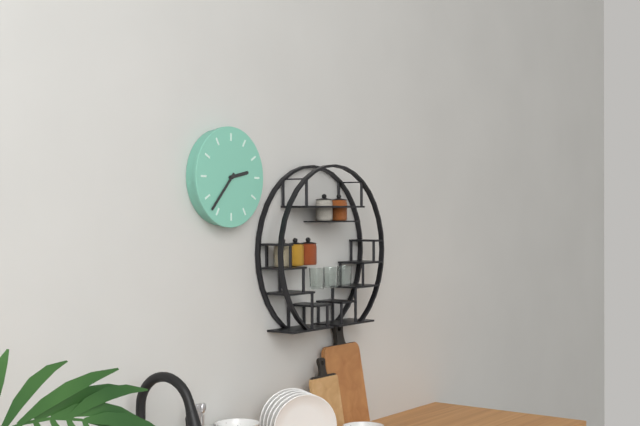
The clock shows **2:37**
